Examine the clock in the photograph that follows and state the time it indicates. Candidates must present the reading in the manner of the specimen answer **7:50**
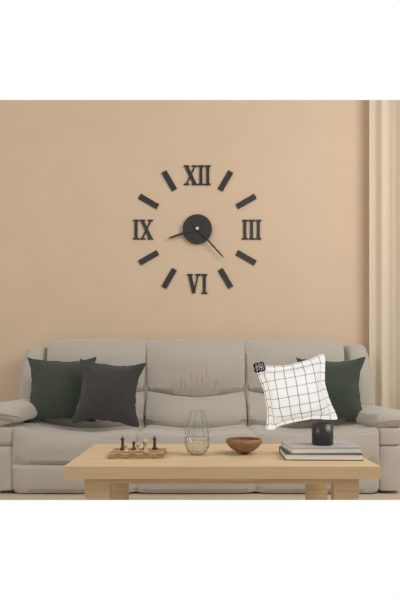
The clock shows **8:23**
